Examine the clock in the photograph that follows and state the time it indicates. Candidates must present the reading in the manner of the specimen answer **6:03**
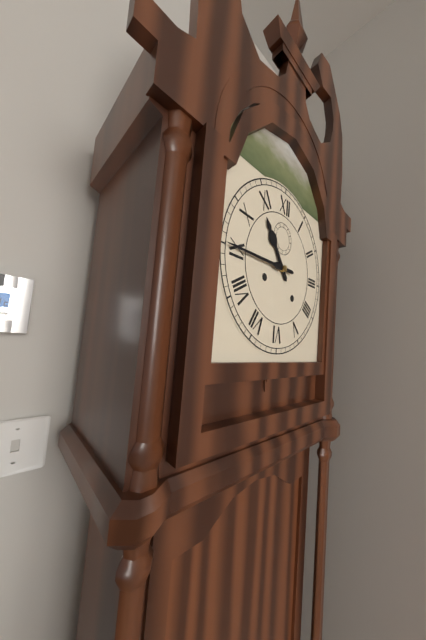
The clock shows **10:45**
